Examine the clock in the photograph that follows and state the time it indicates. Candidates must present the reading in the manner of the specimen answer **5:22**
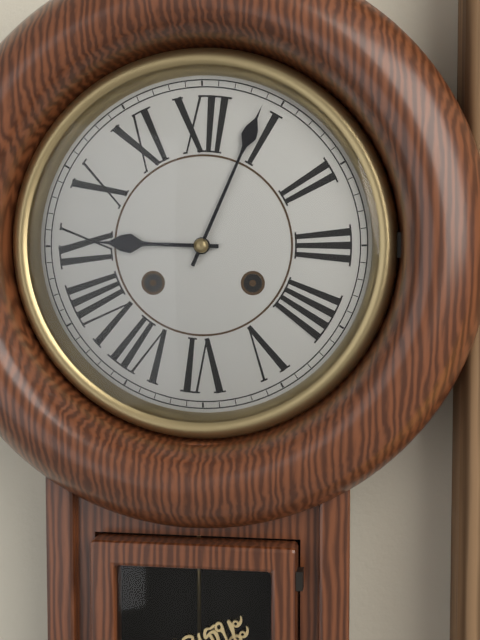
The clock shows **9:04**
